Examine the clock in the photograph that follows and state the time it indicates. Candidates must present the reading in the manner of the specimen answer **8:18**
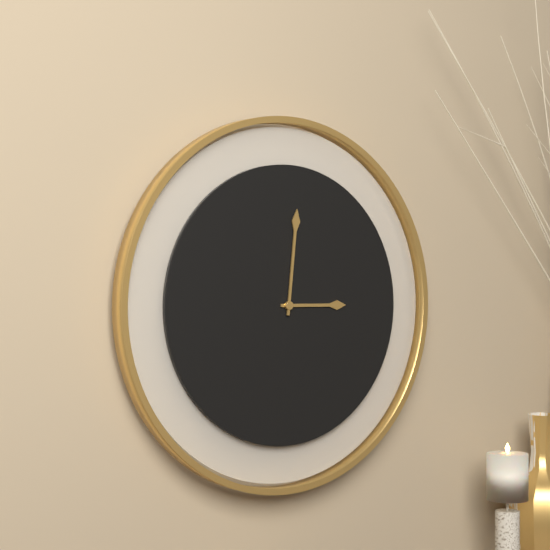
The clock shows **3:01**
